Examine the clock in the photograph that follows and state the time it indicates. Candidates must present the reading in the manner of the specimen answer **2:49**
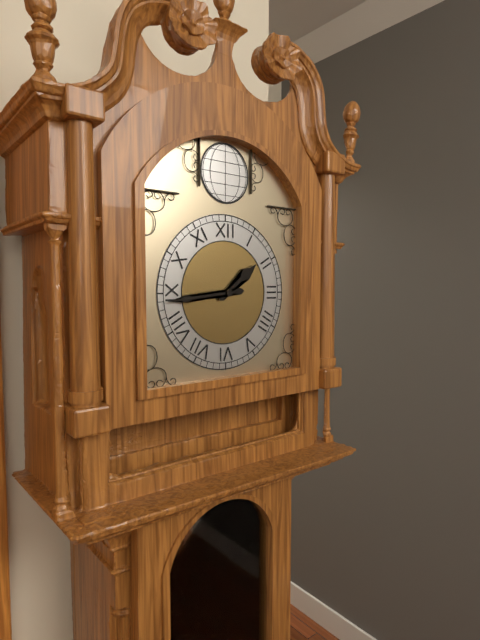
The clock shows **1:44**
